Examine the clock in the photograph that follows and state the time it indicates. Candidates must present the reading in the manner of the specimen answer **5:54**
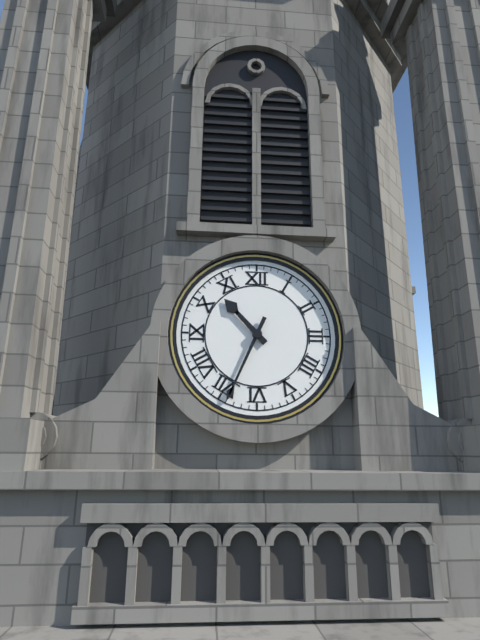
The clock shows **10:34**
